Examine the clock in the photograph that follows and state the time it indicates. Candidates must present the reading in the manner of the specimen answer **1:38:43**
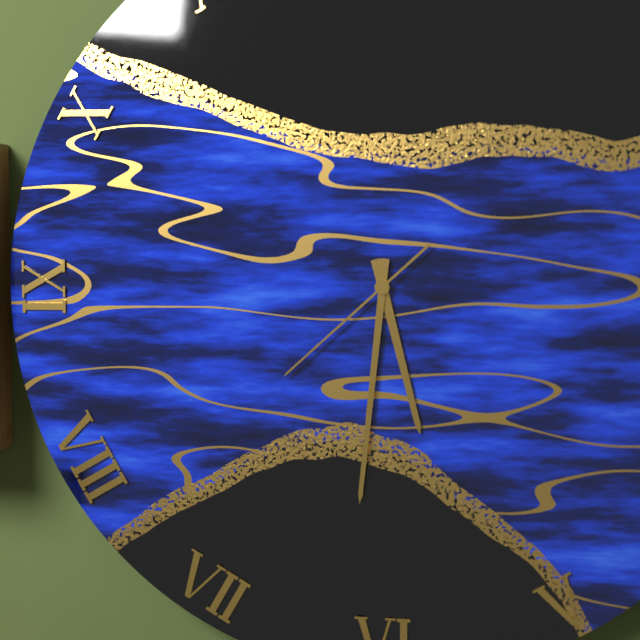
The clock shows **5:31:38**
